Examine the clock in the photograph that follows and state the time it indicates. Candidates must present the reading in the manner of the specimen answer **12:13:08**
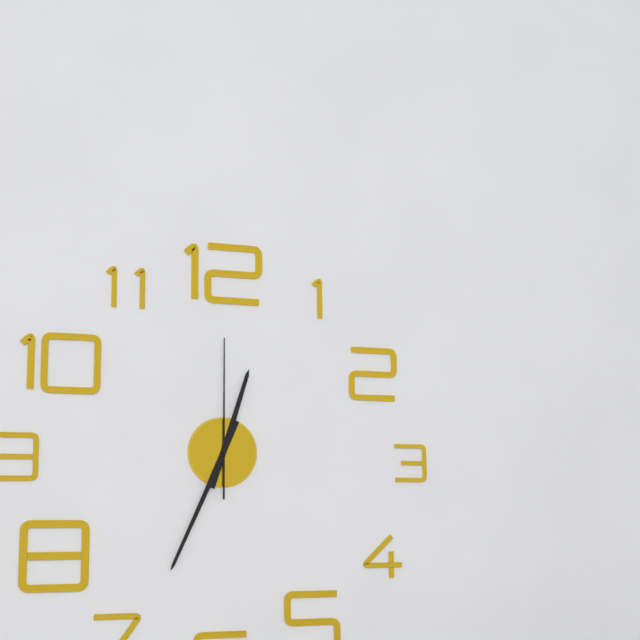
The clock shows **12:34:00**
